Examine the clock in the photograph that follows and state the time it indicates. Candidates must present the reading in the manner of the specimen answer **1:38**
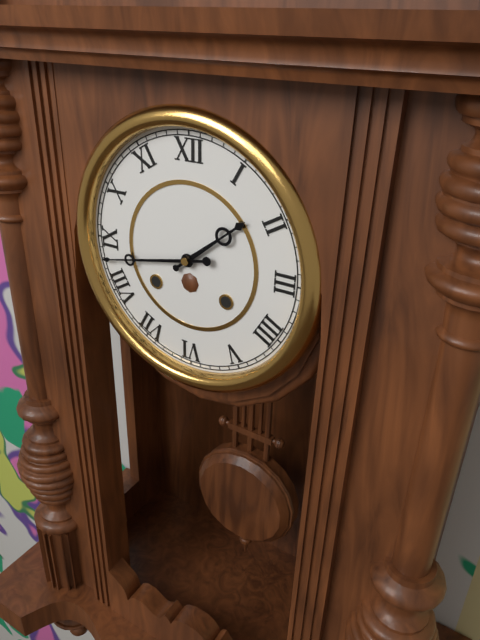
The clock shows **1:43**
